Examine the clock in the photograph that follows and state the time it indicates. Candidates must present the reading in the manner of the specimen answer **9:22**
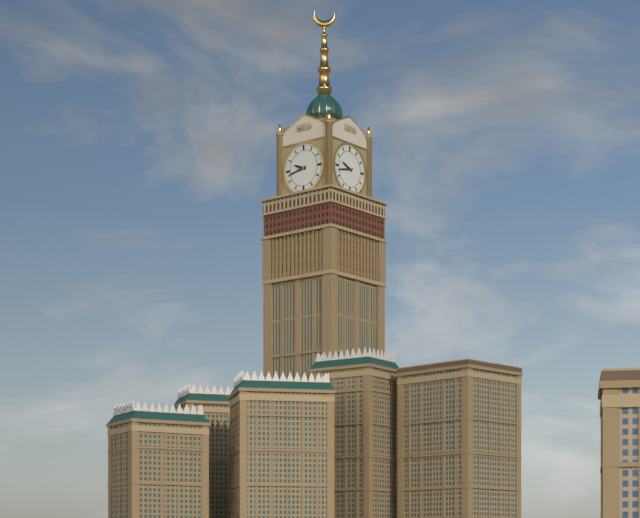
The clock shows **9:43**
